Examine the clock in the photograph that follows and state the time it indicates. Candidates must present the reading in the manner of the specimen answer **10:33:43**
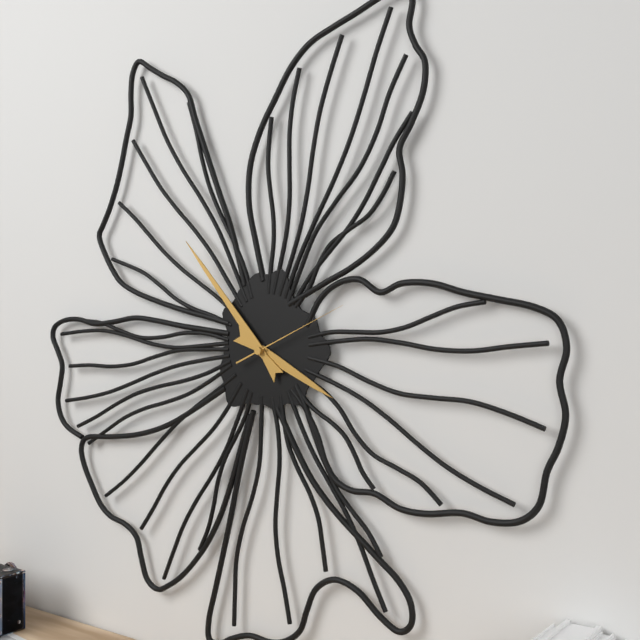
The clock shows **3:53:11**
